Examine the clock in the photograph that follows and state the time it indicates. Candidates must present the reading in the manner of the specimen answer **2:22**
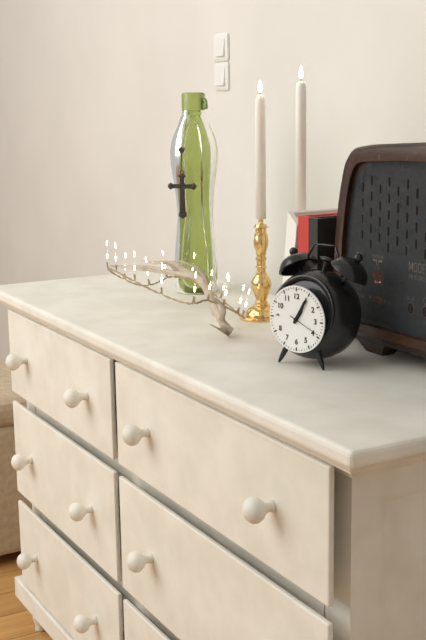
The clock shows **1:05**
